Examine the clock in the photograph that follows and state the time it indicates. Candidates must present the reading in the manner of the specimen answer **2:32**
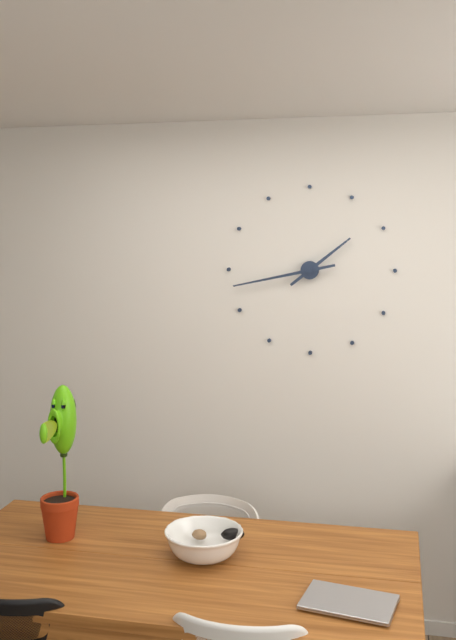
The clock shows **1:43**
